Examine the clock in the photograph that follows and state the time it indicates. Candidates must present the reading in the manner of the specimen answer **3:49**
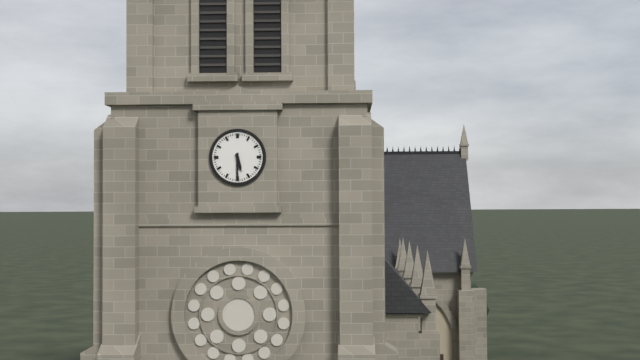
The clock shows **5:30**
